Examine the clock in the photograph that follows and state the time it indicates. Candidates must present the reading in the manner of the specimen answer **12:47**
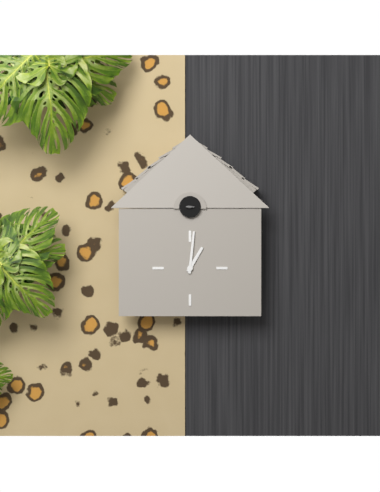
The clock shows **1:01**
